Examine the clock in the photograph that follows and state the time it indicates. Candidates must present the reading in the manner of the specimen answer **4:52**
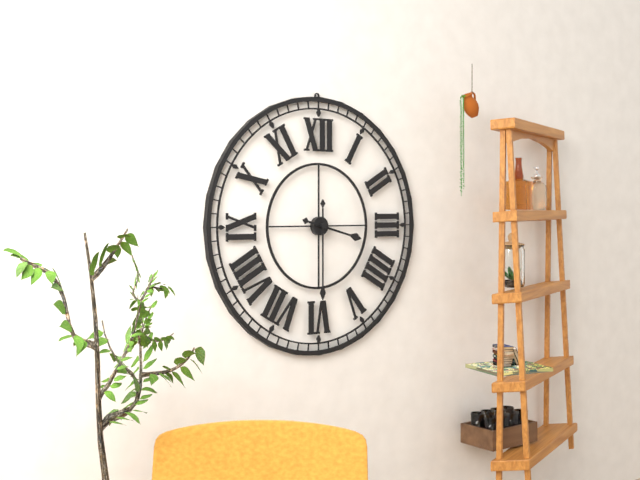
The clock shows **3:30**
